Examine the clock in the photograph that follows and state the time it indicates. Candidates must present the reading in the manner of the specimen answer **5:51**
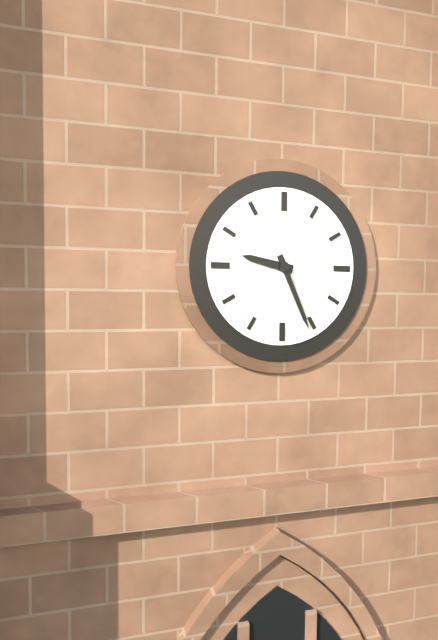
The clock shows **9:26**
